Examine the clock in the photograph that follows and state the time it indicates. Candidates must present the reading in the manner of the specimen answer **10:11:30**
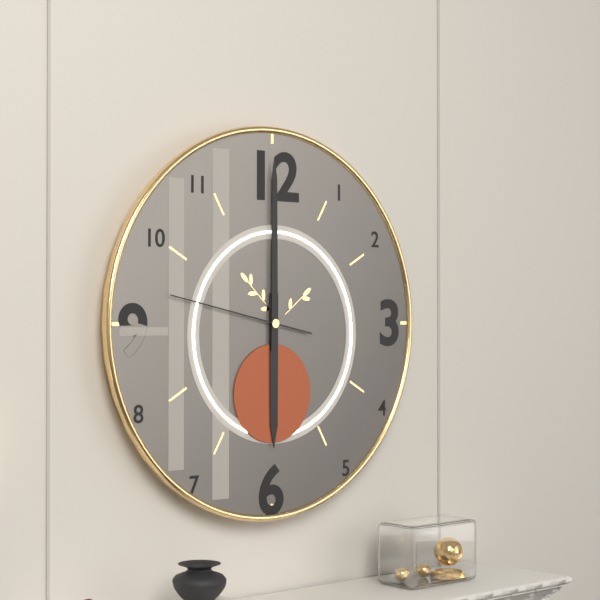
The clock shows **6:00:47**
